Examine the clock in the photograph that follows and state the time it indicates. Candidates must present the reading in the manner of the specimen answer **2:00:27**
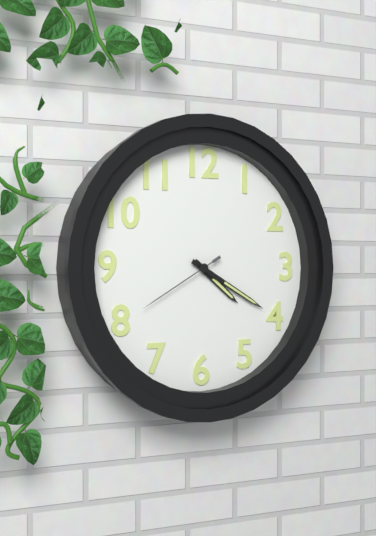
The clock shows **4:20:40**
